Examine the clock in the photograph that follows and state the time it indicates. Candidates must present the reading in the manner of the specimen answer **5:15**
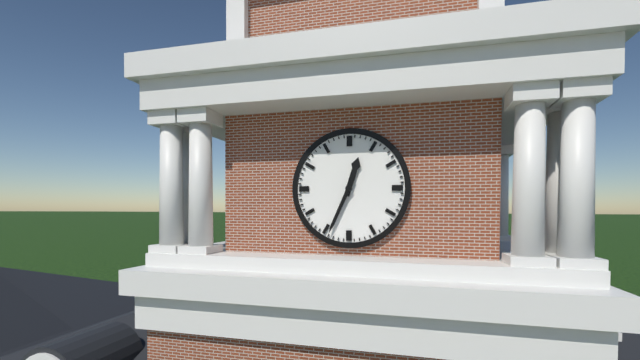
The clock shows **12:34**
